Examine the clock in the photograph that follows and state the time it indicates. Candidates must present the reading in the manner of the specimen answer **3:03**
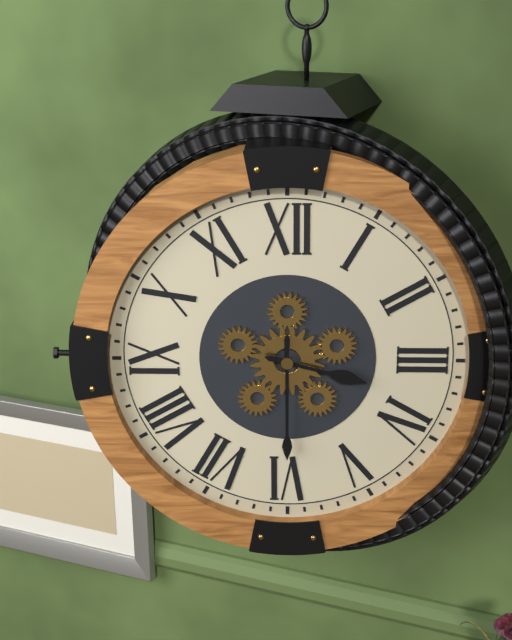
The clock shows **3:30**
